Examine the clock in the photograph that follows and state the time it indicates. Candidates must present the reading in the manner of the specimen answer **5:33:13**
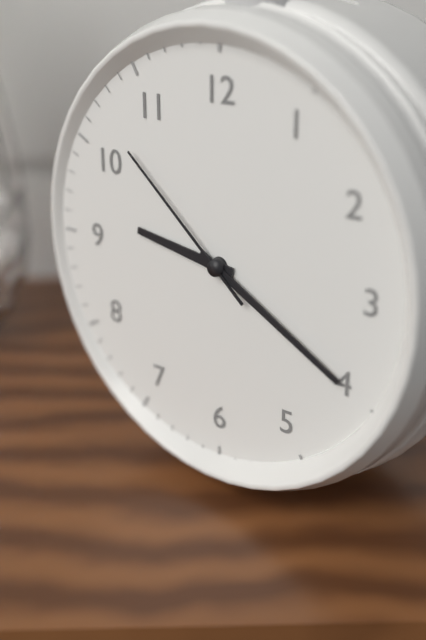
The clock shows **9:20:52**
